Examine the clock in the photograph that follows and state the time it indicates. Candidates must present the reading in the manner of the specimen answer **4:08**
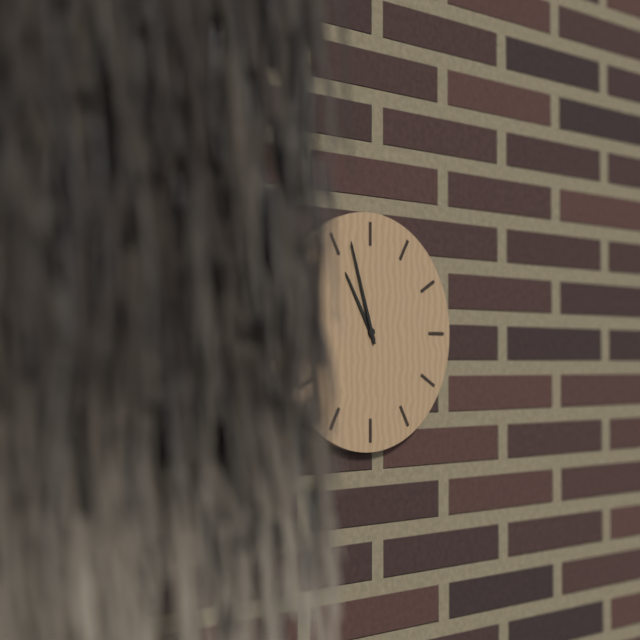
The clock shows **10:57**
